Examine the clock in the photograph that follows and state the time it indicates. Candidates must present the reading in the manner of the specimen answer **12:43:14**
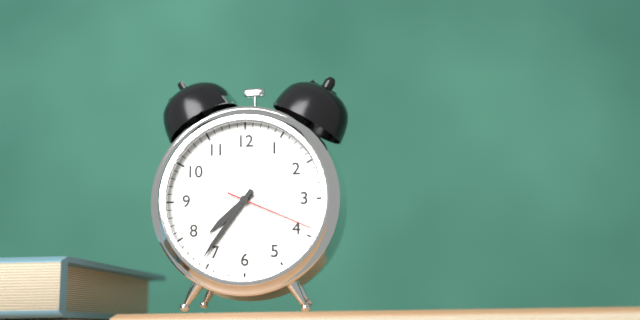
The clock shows **7:36:19**
